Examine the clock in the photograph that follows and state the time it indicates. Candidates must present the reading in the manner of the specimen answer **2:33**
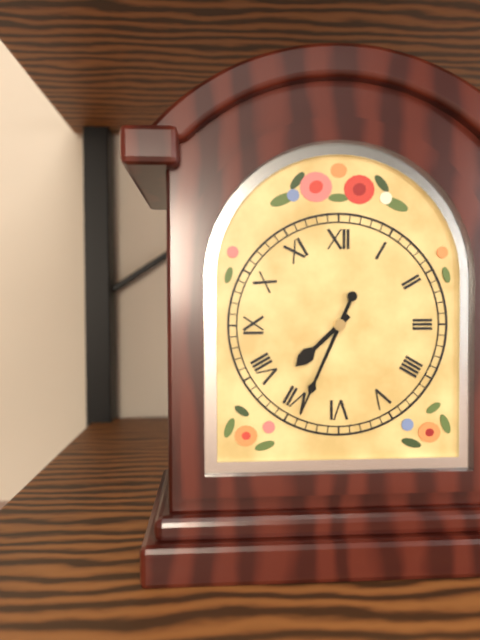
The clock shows **7:34**
